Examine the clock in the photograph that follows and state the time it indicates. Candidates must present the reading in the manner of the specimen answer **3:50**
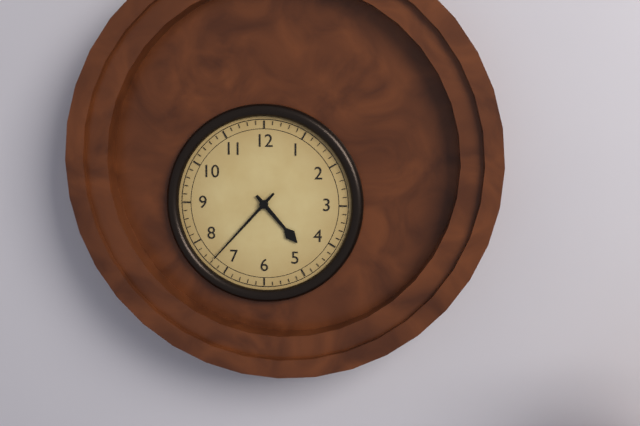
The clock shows **4:37**
